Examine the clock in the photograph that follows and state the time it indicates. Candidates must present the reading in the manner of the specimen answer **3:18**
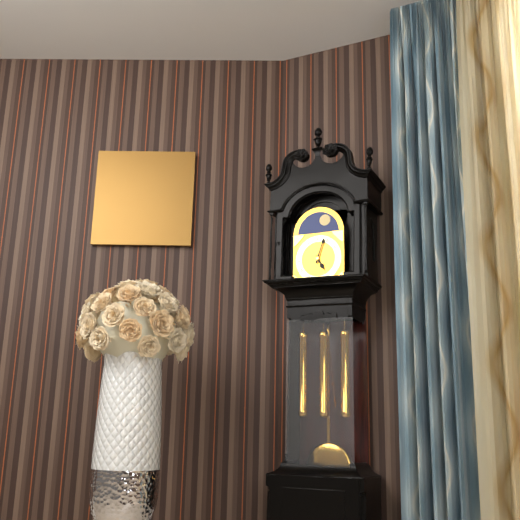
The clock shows **5:03**
